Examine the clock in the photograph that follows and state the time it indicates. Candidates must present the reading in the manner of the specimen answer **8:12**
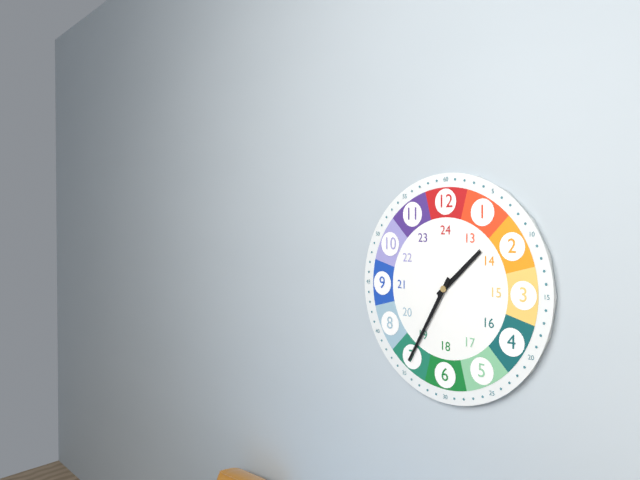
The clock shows **1:35**
